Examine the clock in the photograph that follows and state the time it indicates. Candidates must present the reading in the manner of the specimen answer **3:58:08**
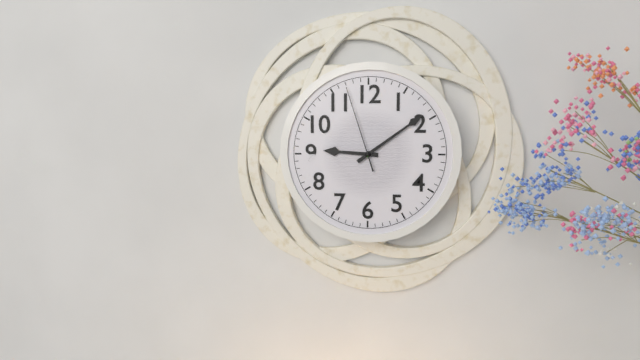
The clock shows **9:09:57**
